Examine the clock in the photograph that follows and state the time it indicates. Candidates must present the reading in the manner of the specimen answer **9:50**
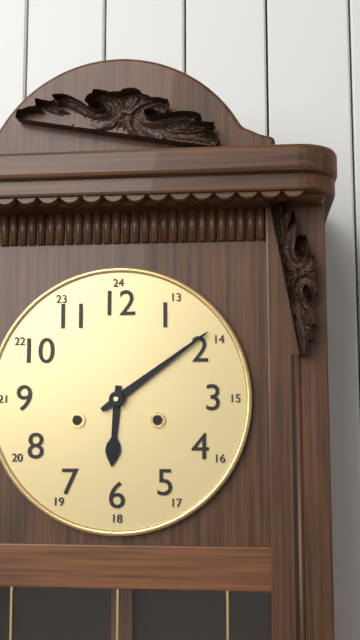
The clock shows **6:09**
